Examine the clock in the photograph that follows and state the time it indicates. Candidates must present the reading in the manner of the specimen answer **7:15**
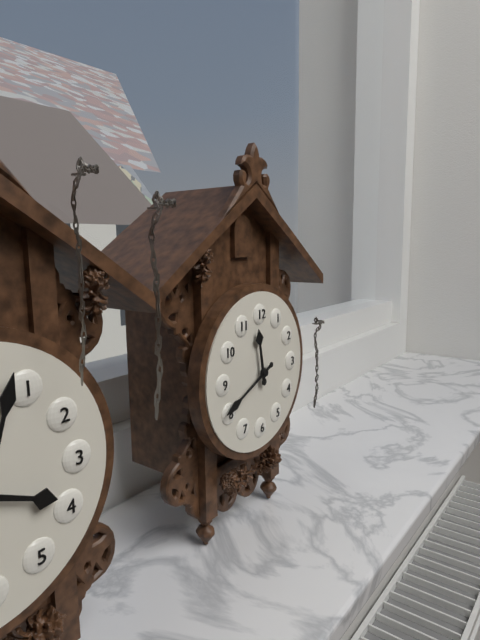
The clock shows **11:41**
